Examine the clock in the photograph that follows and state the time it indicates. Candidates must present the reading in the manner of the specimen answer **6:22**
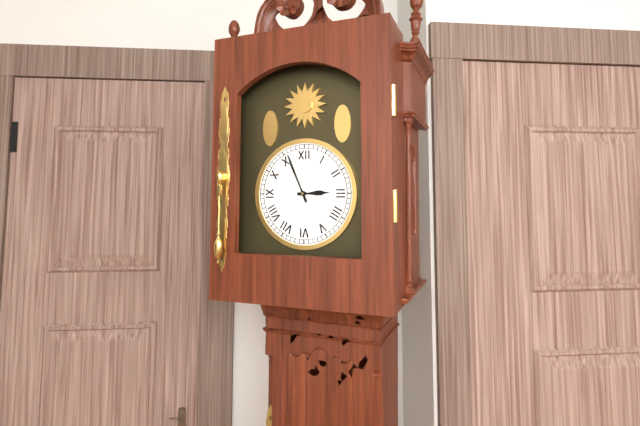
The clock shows **2:56**
